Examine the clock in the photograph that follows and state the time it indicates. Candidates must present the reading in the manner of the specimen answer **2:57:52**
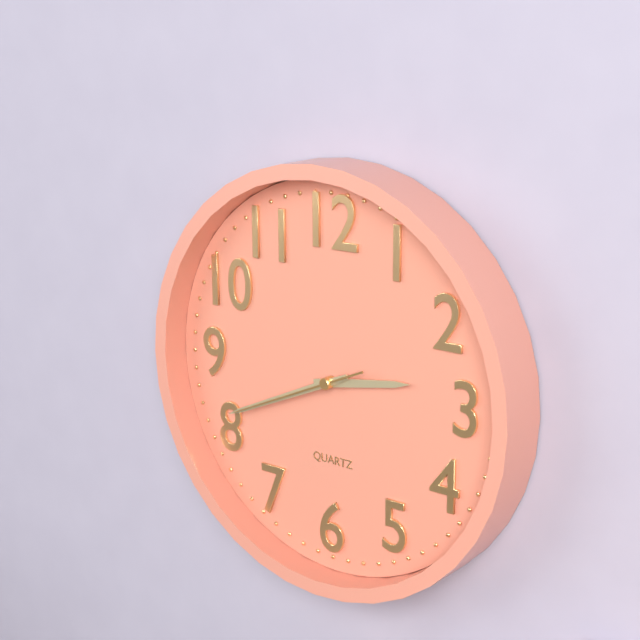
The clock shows **2:41:41**
